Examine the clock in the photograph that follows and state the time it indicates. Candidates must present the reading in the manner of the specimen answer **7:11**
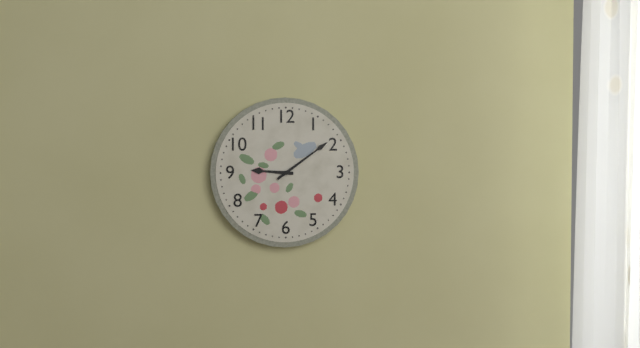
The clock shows **9:09**
